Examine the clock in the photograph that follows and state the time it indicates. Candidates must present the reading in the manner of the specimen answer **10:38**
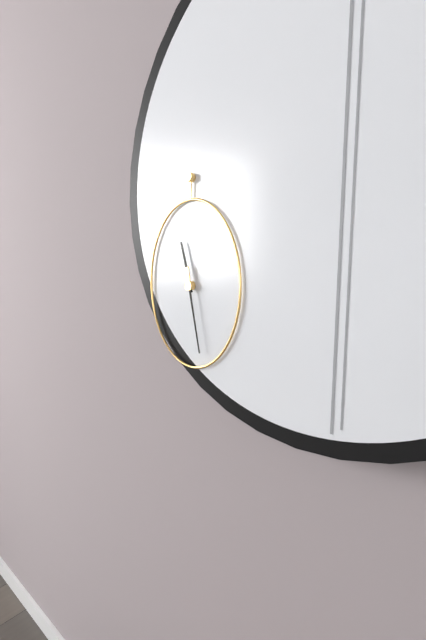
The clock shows **11:28**
